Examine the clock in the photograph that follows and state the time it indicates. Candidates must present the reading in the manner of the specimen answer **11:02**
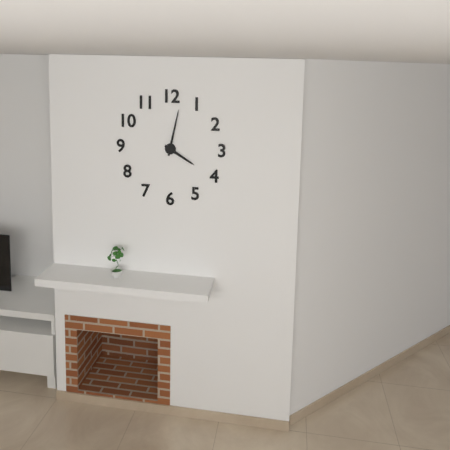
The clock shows **4:02**
